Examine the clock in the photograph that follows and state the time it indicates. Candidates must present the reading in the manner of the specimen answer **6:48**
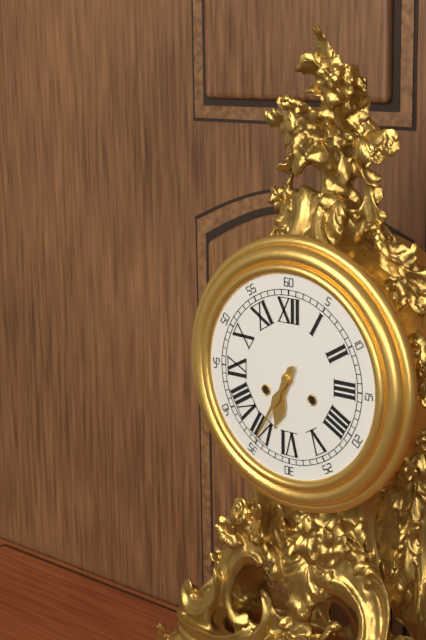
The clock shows **6:35**
